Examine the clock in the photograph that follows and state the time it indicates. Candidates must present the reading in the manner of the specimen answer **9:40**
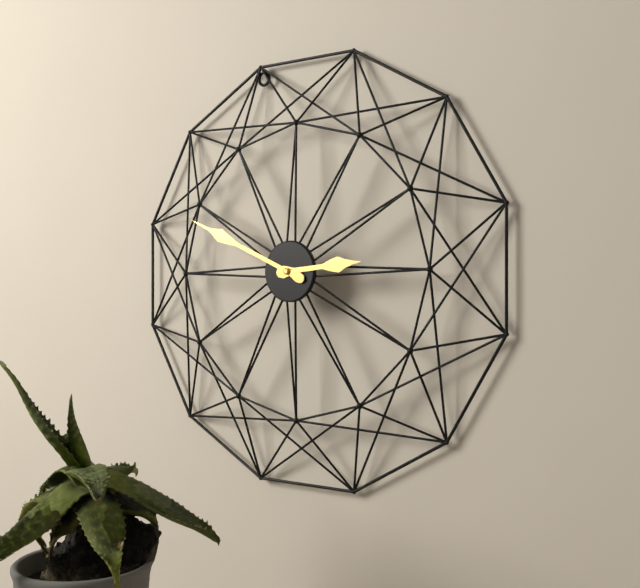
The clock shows **2:49**
